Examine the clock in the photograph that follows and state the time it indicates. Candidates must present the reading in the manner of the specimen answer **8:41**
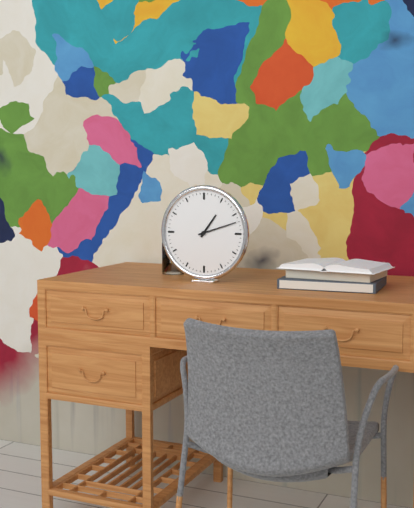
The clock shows **1:12**
